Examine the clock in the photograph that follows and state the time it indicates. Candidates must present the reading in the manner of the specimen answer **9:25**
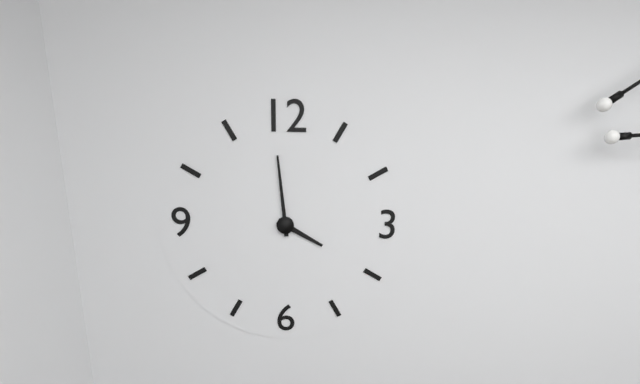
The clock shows **3:59**
